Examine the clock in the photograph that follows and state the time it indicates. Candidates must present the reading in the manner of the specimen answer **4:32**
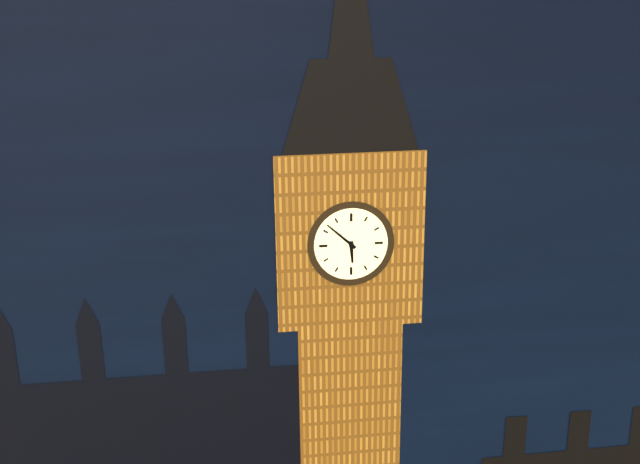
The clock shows **5:52**
